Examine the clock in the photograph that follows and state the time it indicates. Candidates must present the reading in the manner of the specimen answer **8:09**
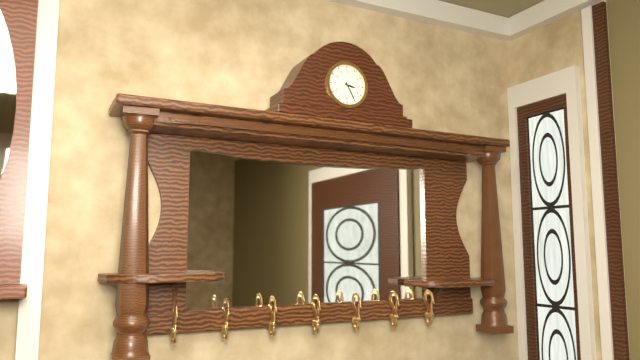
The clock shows **3:25**
